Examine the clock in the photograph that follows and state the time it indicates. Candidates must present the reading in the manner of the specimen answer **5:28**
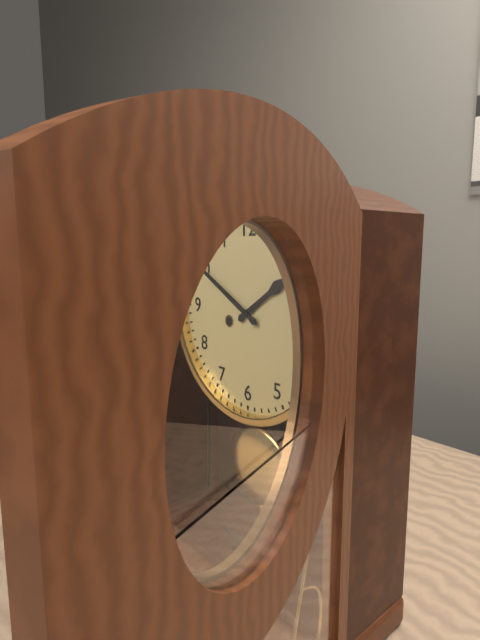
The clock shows **1:50**
